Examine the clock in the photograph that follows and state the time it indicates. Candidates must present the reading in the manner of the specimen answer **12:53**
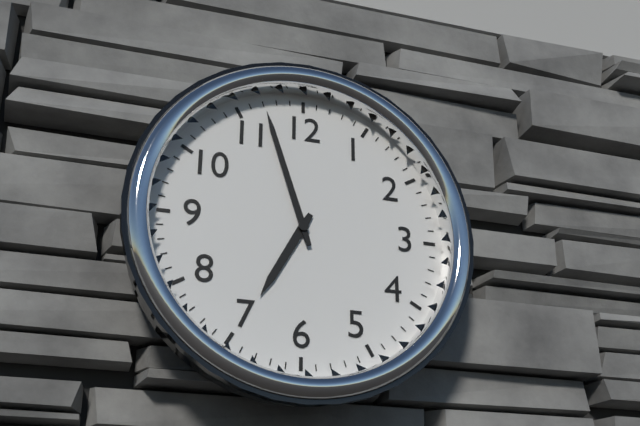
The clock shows **6:57**
